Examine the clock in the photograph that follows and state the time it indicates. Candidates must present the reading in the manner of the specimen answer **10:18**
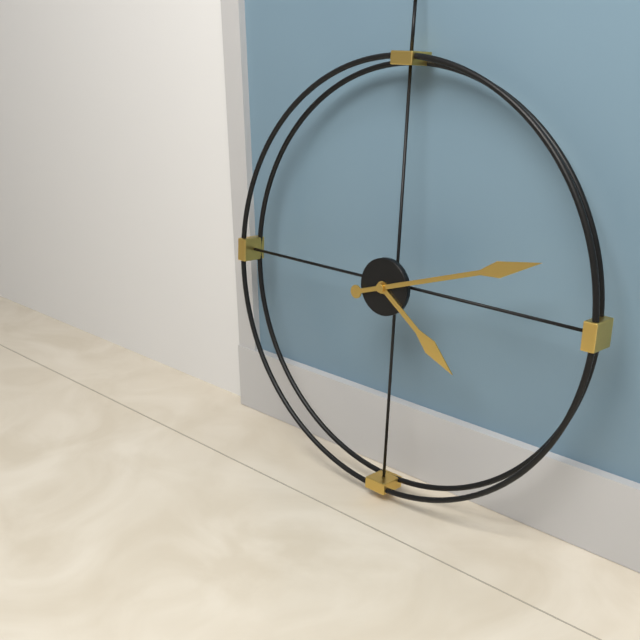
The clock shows **4:12**
